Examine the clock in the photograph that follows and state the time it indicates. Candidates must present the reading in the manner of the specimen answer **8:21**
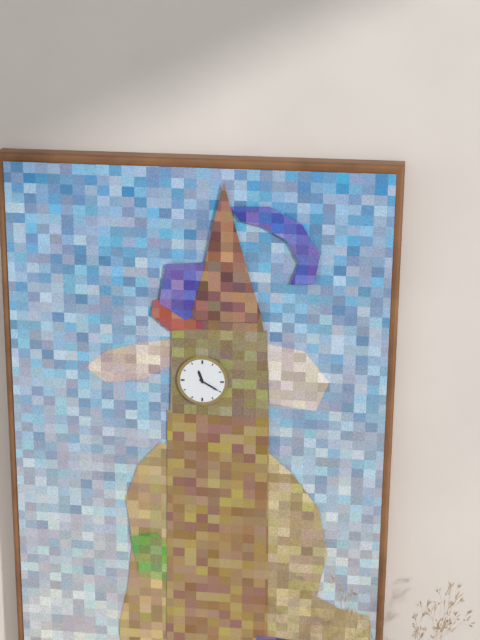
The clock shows **11:20**
